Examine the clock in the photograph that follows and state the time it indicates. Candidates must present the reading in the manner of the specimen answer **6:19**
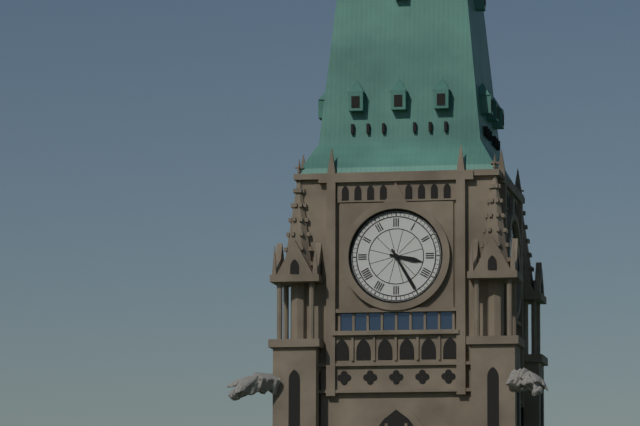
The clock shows **3:25**
